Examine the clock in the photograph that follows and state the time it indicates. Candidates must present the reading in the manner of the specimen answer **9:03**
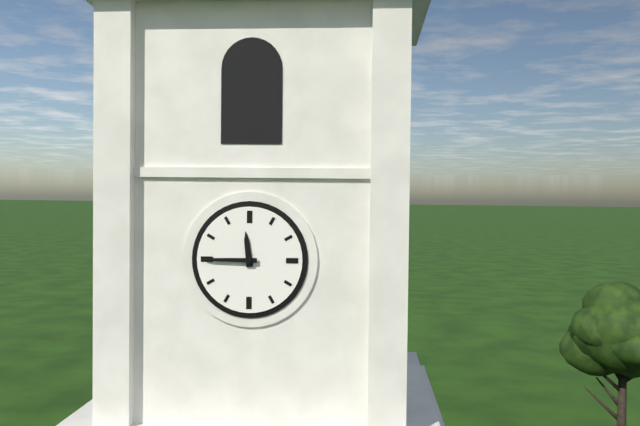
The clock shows **11:45**
